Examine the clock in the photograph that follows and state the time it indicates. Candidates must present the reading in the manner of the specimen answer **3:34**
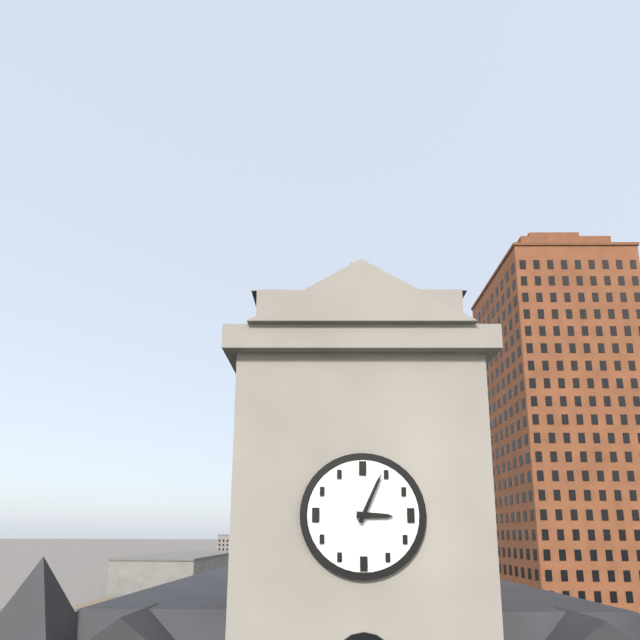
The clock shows **3:04**
